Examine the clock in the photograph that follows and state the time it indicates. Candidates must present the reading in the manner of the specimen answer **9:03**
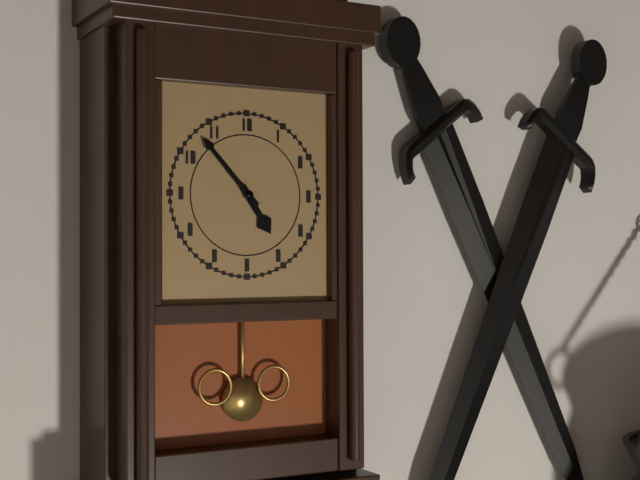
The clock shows **4:53**
